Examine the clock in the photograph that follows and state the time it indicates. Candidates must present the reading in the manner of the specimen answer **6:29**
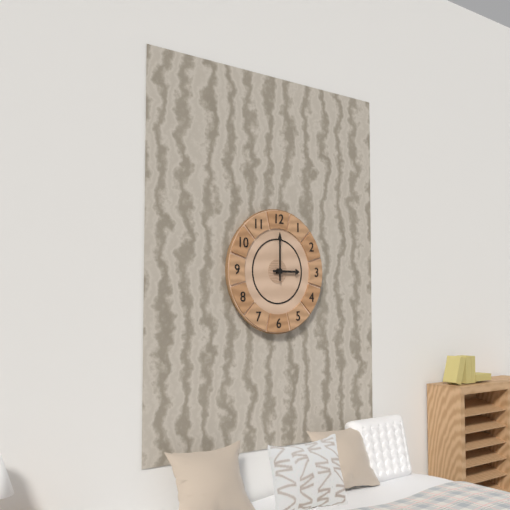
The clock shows **3:00**
